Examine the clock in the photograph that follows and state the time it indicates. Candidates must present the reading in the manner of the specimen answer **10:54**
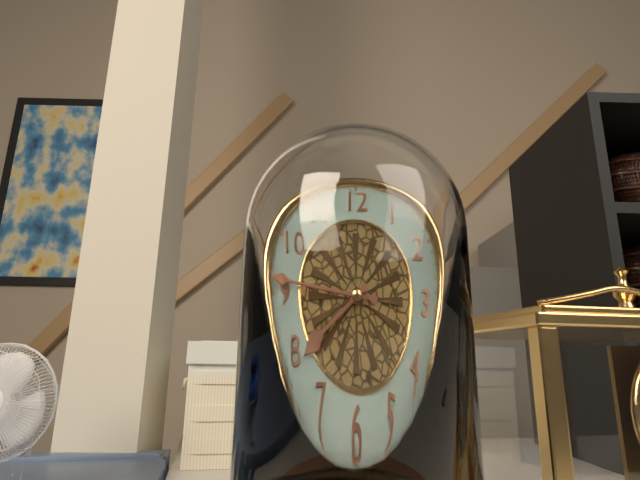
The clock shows **7:46**
